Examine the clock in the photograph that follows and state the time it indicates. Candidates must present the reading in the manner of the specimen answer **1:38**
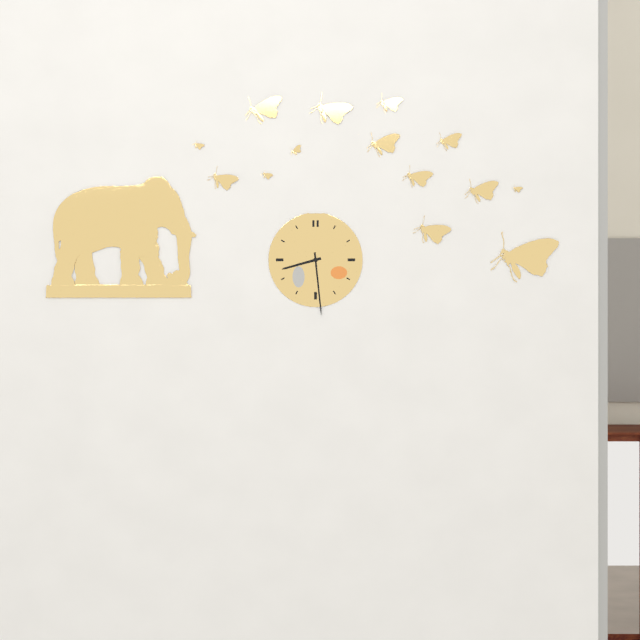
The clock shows **8:29**
